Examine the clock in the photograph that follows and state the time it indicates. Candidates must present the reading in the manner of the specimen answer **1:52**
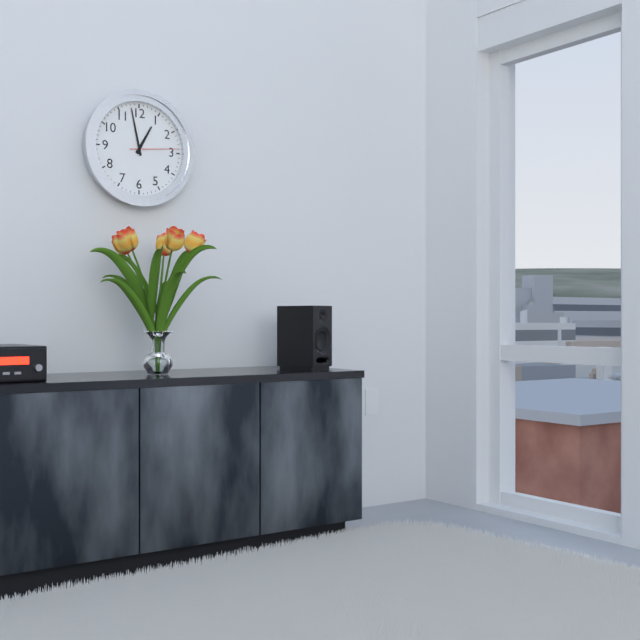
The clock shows **12:58**
